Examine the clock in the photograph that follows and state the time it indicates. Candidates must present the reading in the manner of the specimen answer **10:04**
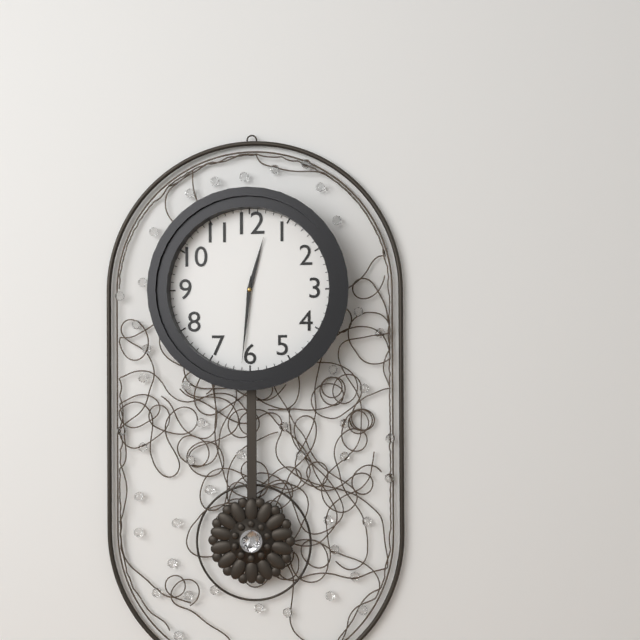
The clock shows **12:31**
